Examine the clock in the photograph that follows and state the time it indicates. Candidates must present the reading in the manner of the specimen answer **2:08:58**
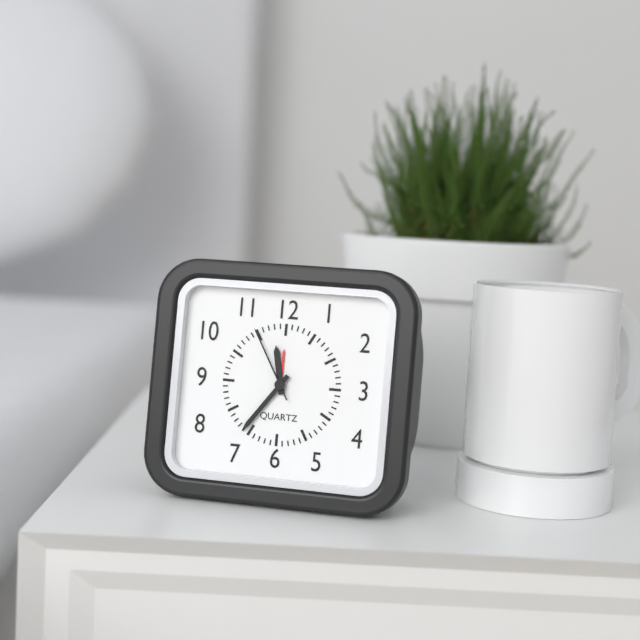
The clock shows **11:36:55**
